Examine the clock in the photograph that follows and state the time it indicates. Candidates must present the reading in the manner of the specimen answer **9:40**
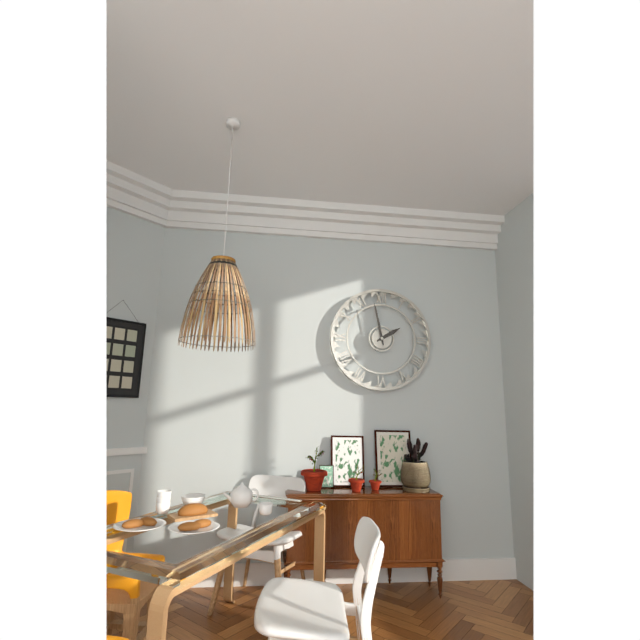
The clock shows **1:58**
